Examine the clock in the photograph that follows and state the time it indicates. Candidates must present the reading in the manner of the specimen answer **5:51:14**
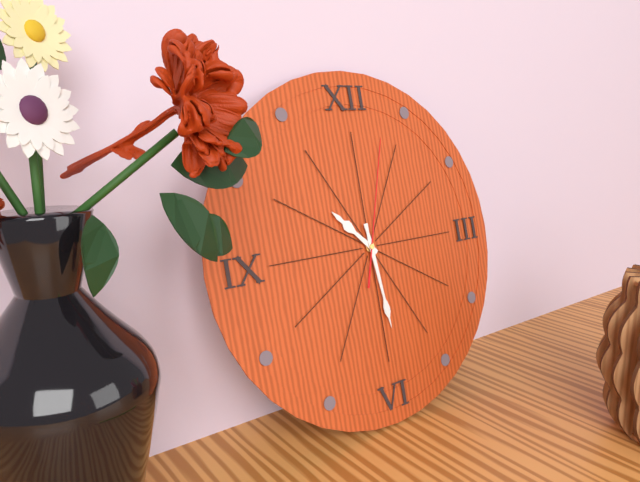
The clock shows **10:29:03**
